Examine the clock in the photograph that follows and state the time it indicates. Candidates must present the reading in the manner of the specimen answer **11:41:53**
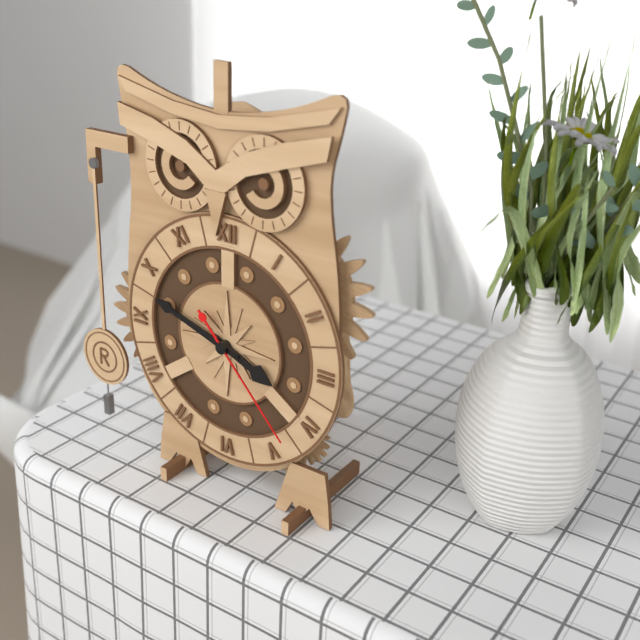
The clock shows **3:48:23**
